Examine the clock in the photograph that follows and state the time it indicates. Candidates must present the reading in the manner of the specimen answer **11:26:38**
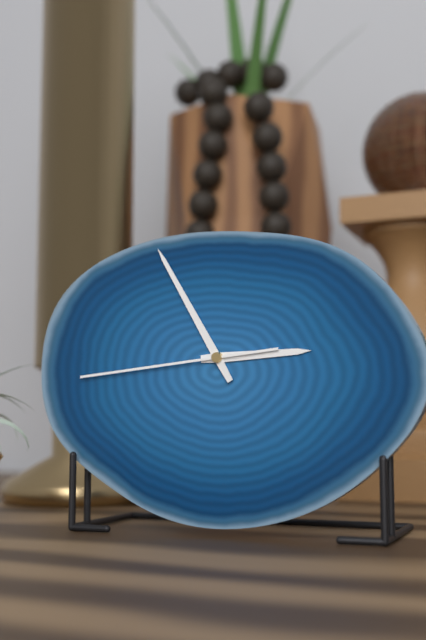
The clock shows **2:55:44**
